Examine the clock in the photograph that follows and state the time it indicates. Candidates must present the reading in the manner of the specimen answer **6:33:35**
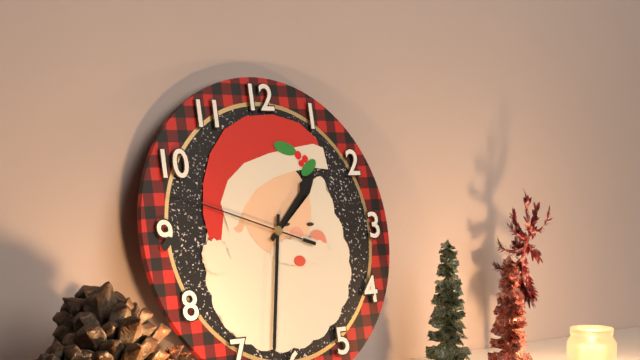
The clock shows **1:32:48**
